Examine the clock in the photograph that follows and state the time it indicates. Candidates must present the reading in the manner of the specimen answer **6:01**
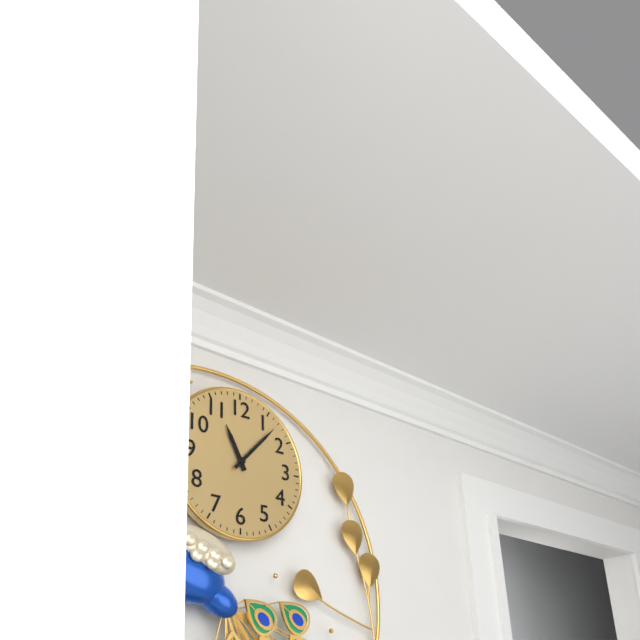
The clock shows **11:07**
